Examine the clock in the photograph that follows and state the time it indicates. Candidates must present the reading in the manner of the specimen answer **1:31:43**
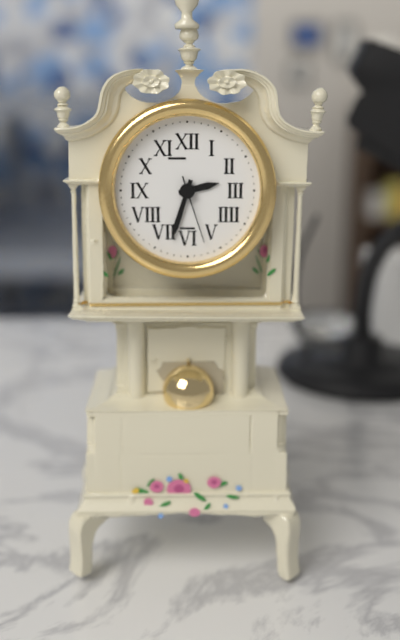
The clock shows **2:33:27**
